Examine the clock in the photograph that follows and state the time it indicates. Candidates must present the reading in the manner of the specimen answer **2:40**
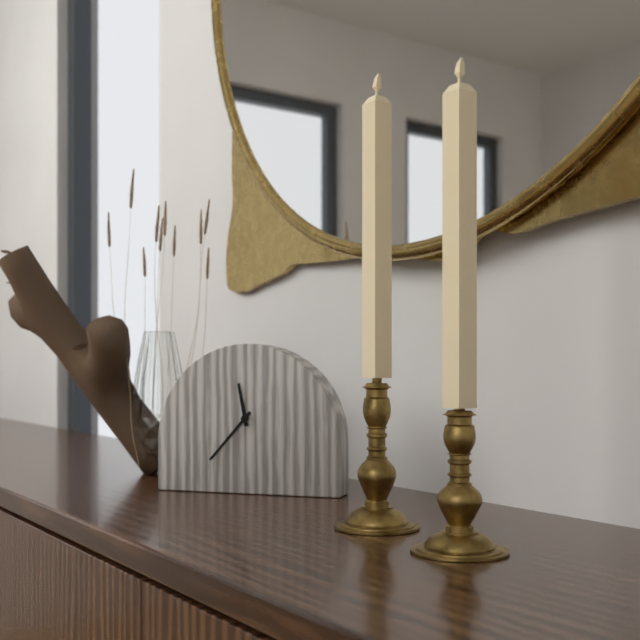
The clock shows **11:37**
